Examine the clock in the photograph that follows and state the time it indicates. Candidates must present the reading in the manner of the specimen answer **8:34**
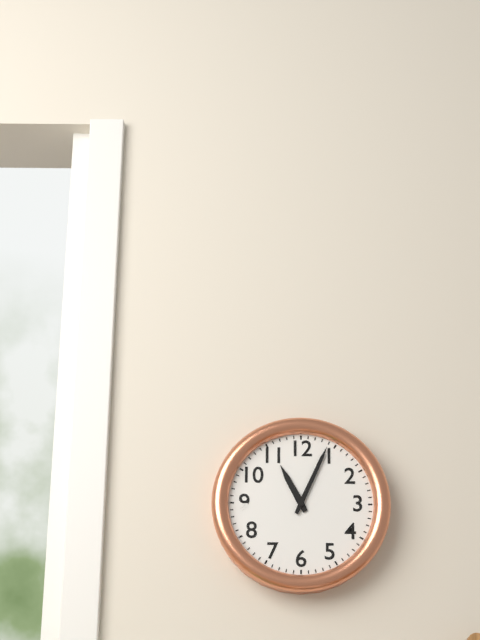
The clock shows **11:04**
